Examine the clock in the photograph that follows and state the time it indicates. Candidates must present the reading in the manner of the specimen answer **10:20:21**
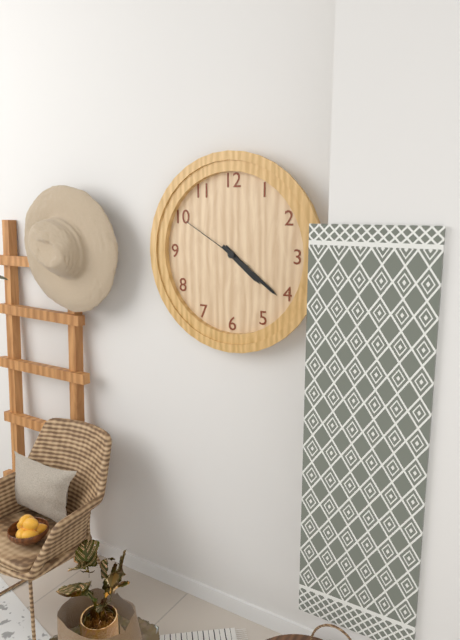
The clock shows **4:21:50**
